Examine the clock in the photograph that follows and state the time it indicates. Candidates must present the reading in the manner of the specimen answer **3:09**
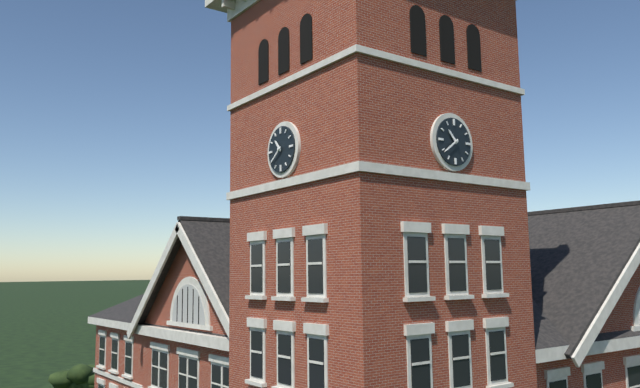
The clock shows **10:39**
